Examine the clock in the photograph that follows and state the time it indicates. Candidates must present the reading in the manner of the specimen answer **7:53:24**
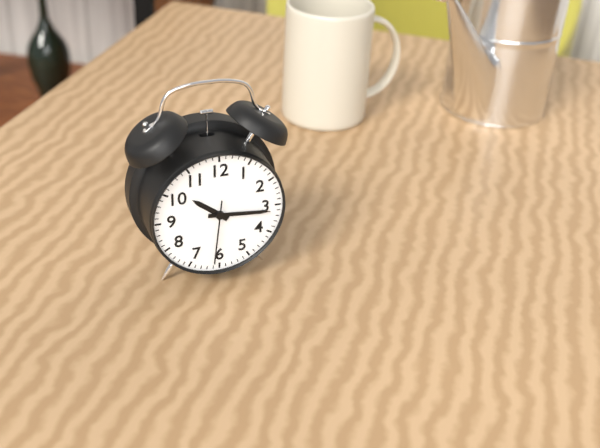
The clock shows **10:16:31**
